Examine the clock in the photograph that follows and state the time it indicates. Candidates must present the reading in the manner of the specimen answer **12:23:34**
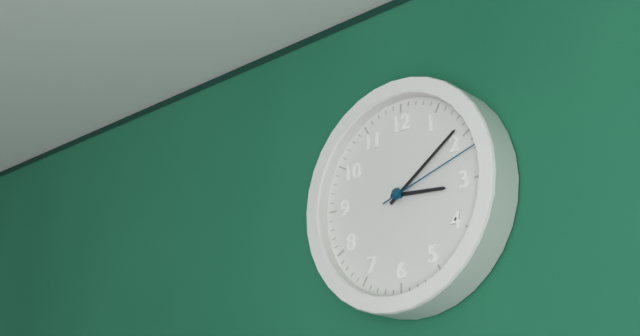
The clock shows **3:09:12**
